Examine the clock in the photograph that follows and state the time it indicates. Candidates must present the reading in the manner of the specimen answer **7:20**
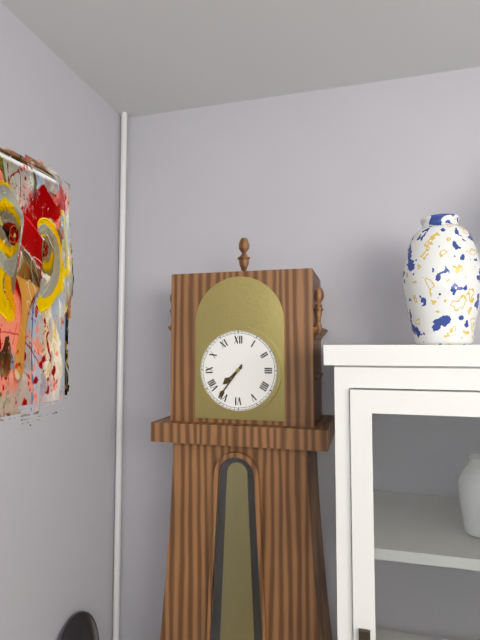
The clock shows **7:36**
